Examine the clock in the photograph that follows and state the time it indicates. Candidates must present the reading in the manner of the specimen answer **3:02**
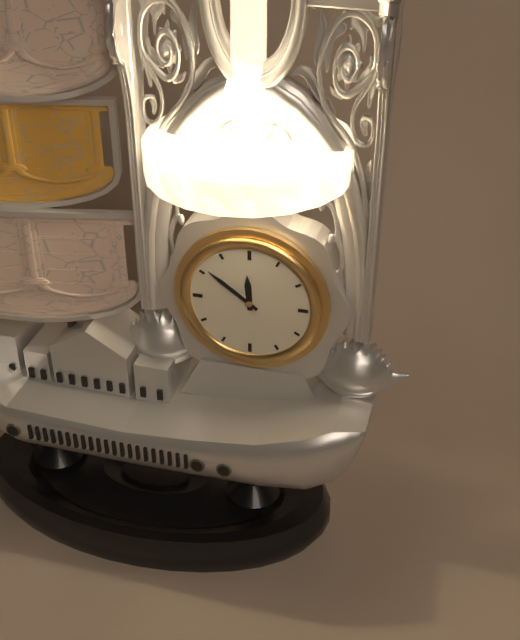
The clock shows **11:51**
